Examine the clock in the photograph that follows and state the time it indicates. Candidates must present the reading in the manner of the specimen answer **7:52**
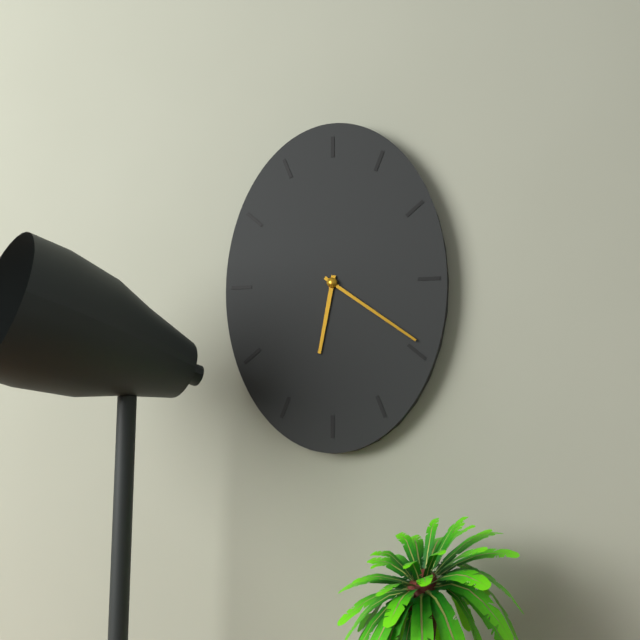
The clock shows **6:21**
